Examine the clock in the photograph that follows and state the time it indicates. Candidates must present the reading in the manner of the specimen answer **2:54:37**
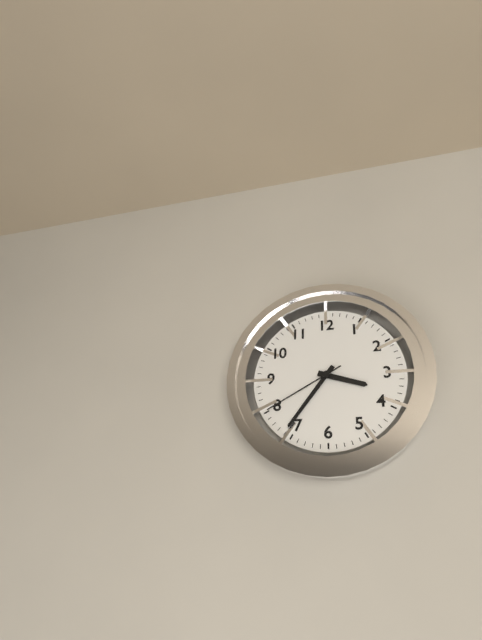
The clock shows **3:36:40**
